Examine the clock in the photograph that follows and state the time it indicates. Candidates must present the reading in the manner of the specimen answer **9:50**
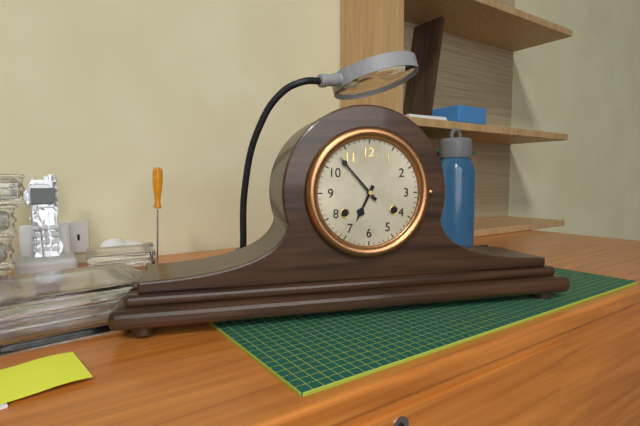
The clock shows **6:53**
